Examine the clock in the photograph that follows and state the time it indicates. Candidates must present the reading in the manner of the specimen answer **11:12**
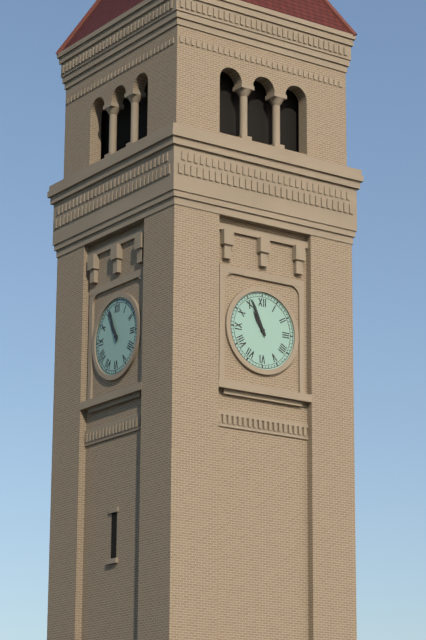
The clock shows **10:56**
